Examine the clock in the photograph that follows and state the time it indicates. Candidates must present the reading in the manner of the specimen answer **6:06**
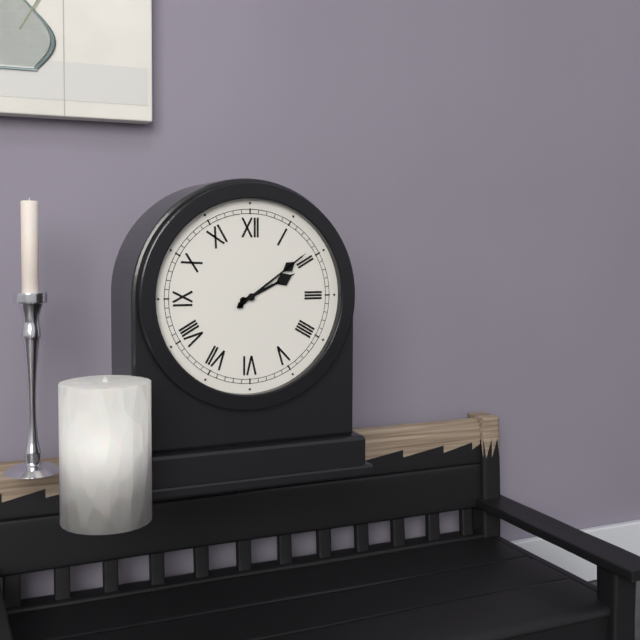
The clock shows **2:09**
